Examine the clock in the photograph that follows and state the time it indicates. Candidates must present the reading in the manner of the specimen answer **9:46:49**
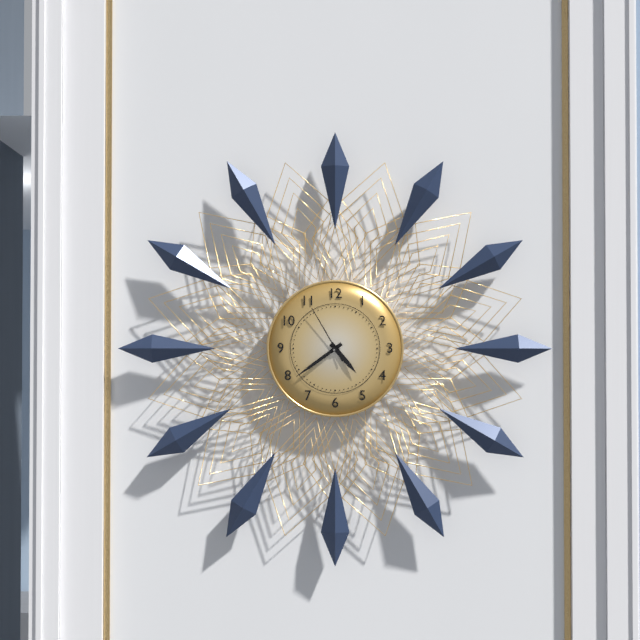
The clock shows **4:39:55**
